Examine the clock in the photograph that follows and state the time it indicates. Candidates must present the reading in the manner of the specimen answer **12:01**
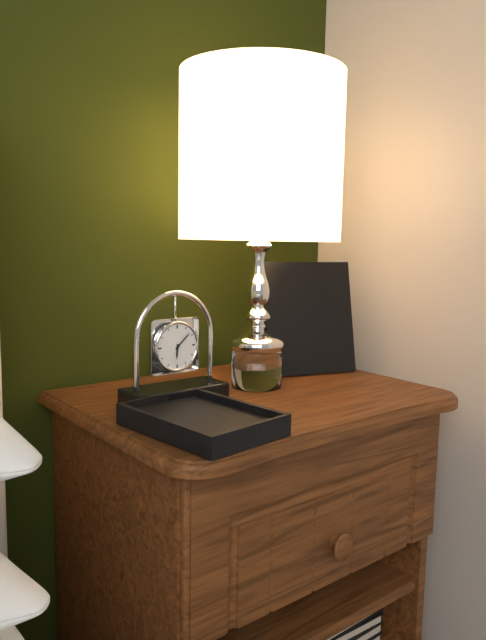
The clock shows **6:08**
